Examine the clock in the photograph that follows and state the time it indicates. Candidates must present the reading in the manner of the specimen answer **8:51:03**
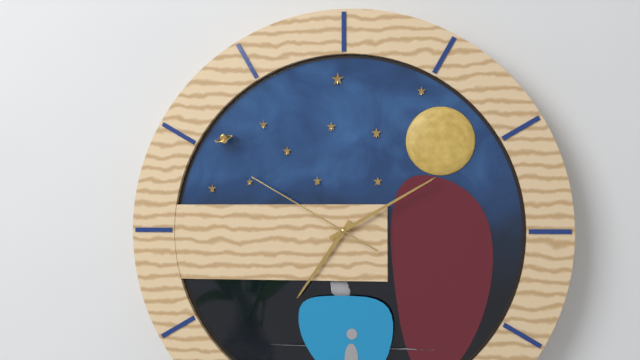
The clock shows **7:10:50**
